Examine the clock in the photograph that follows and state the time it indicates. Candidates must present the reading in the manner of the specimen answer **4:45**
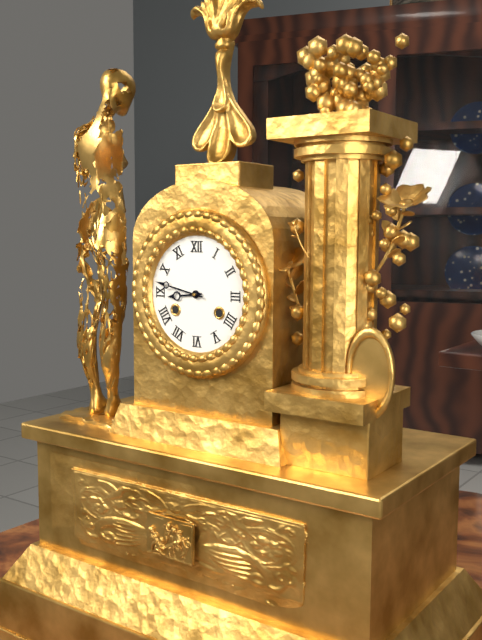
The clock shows **8:47**
